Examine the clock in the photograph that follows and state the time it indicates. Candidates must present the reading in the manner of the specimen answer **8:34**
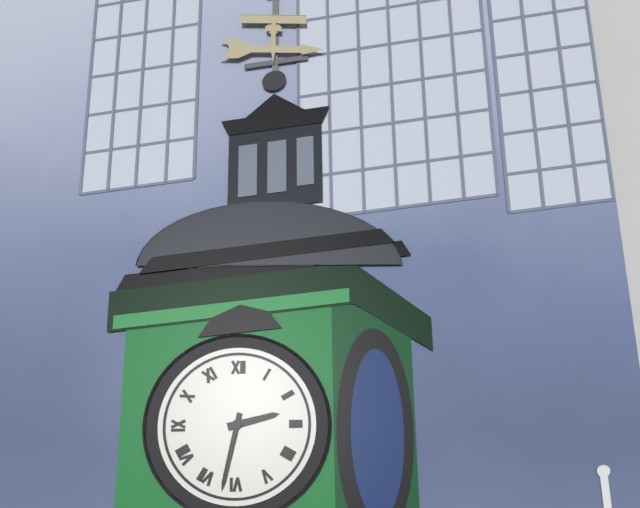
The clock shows **2:32**
